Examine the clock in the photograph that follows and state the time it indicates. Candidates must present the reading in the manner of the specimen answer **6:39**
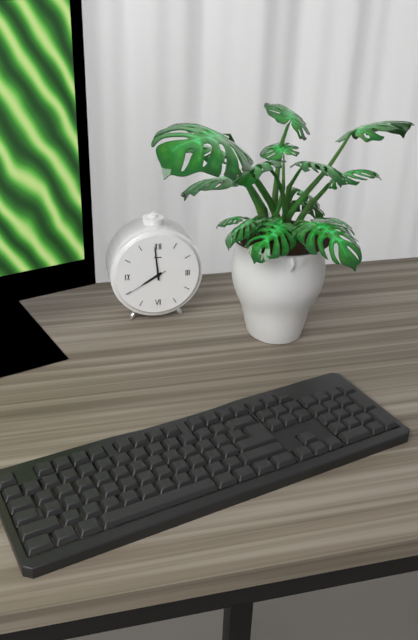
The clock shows **7:59**
